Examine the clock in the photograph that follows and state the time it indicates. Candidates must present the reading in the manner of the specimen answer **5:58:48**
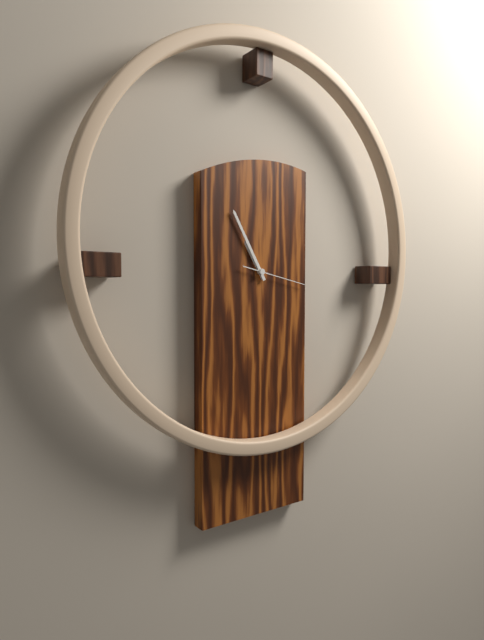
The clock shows **10:55:17**
